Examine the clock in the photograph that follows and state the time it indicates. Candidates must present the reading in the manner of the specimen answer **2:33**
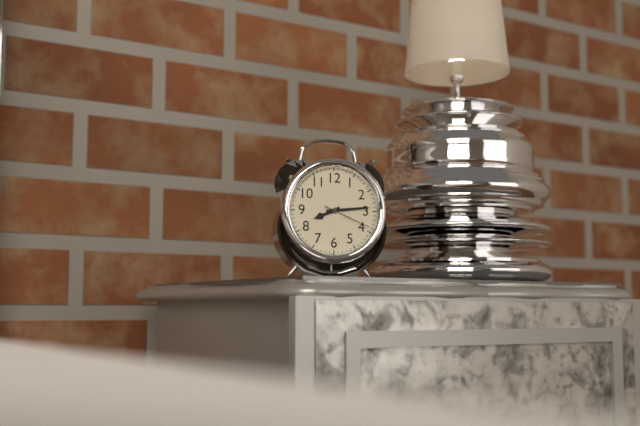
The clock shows **8:14**
